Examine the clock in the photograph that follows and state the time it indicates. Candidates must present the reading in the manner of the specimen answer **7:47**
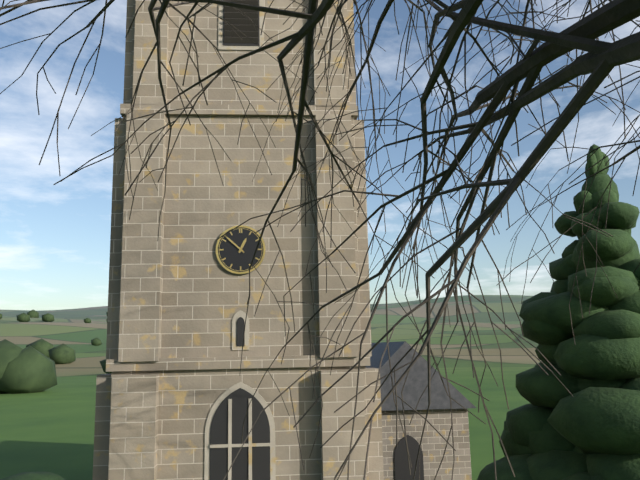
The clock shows **12:52**
